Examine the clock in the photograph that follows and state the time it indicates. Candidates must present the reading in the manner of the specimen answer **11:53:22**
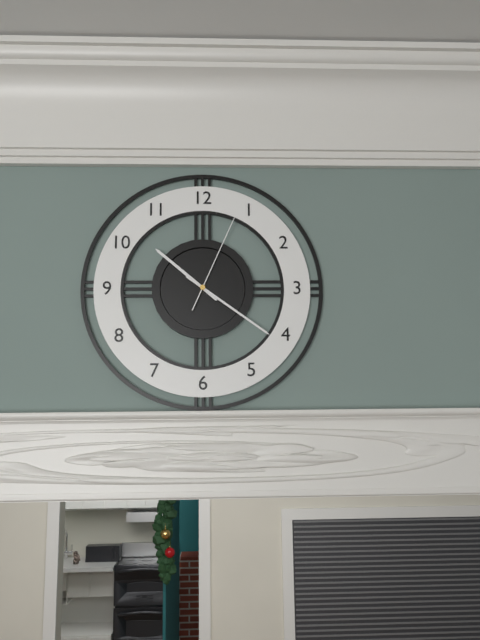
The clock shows **10:21:04**
